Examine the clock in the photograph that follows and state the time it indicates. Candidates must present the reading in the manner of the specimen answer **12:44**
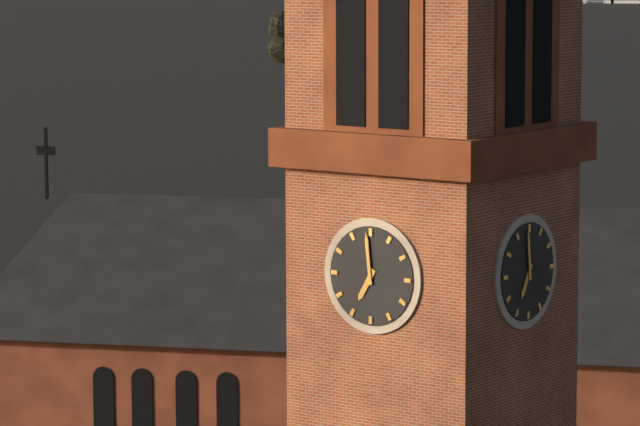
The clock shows **6:59**
